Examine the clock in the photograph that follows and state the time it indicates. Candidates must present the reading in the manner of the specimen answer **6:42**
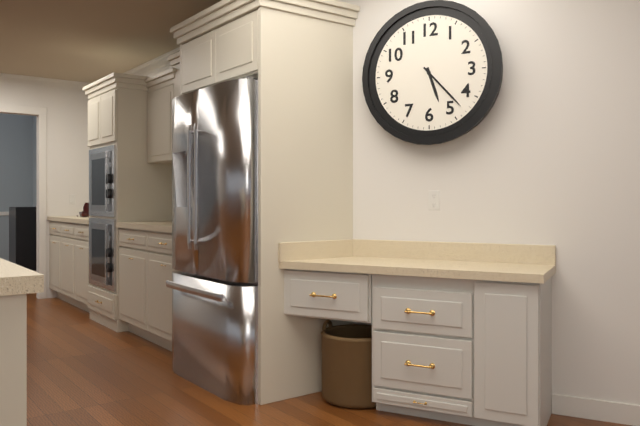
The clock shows **5:23**
